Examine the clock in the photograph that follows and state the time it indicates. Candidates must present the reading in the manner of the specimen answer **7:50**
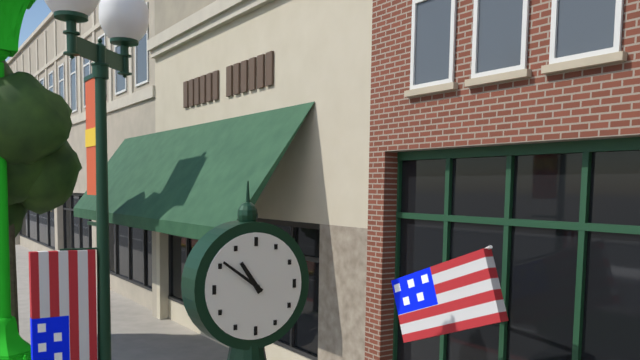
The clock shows **10:51**
